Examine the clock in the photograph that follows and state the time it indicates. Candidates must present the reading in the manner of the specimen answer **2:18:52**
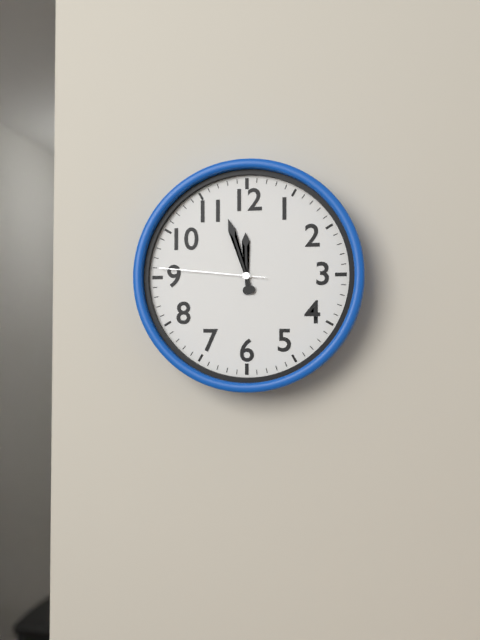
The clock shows **11:57:46**
